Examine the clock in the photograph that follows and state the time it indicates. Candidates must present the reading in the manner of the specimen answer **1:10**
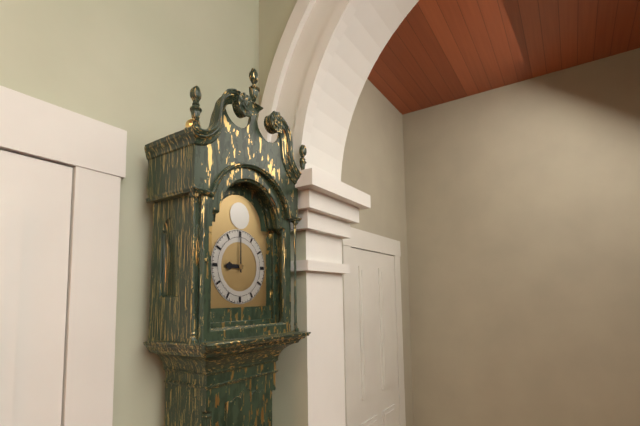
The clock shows **9:00**
